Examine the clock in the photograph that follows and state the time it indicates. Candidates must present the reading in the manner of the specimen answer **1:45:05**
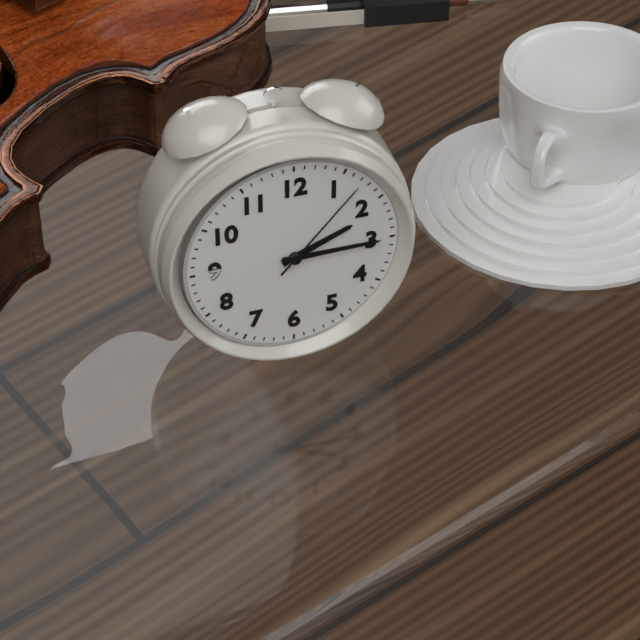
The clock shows **2:15:07**
